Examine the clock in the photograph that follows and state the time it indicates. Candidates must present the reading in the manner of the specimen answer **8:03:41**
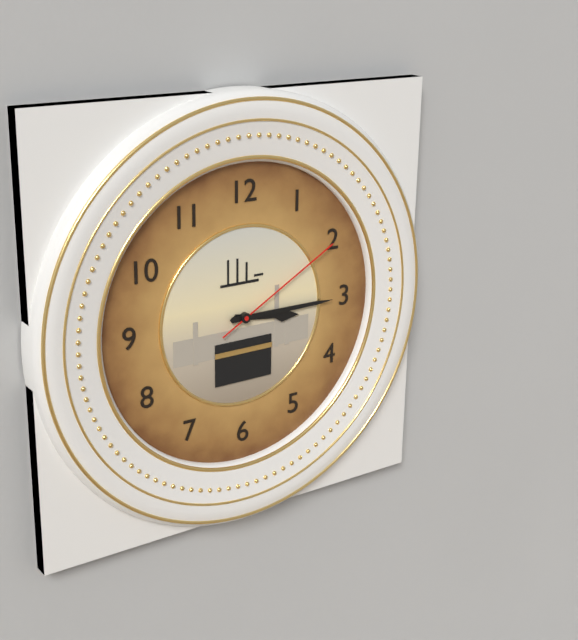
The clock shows **3:15:10**
